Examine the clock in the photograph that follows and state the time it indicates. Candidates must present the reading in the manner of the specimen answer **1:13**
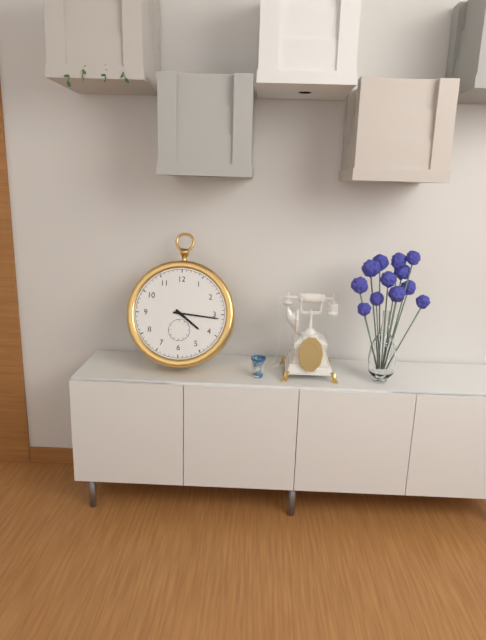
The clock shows **4:16**
